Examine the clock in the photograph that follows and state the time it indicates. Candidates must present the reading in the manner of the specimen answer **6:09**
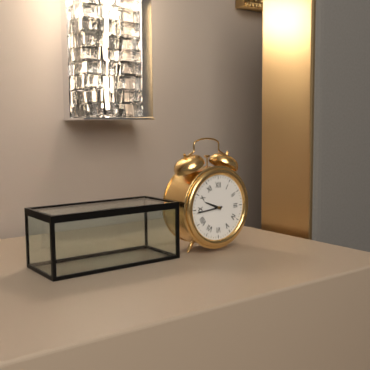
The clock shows **9:44**
